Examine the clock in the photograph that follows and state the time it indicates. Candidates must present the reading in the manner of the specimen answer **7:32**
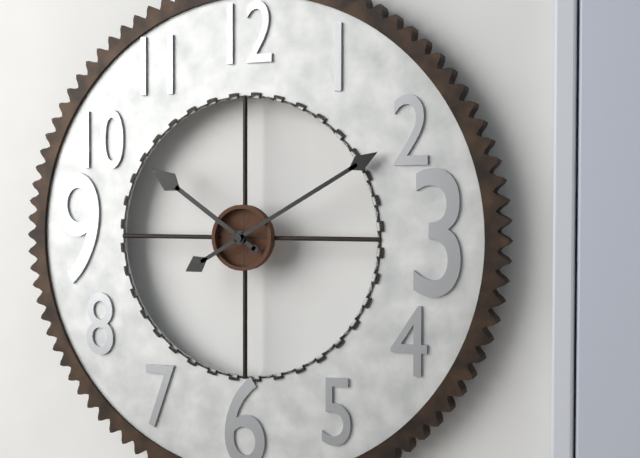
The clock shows **10:10**
